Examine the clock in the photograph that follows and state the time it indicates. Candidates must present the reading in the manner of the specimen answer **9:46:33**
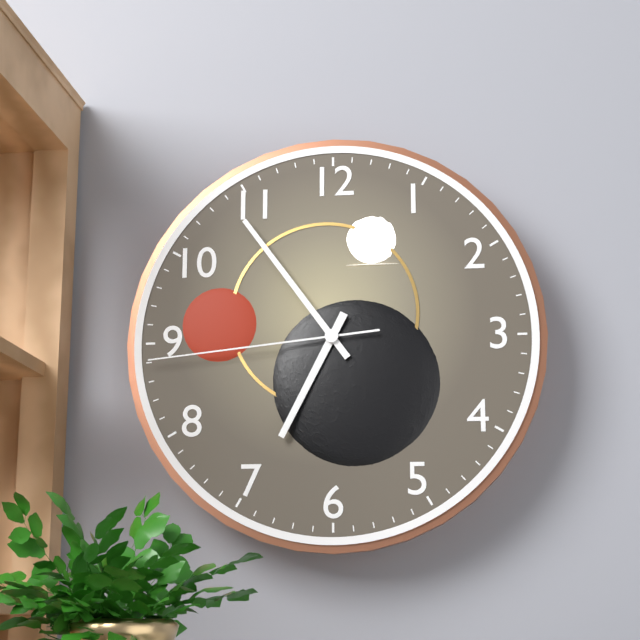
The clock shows **6:54:44**
